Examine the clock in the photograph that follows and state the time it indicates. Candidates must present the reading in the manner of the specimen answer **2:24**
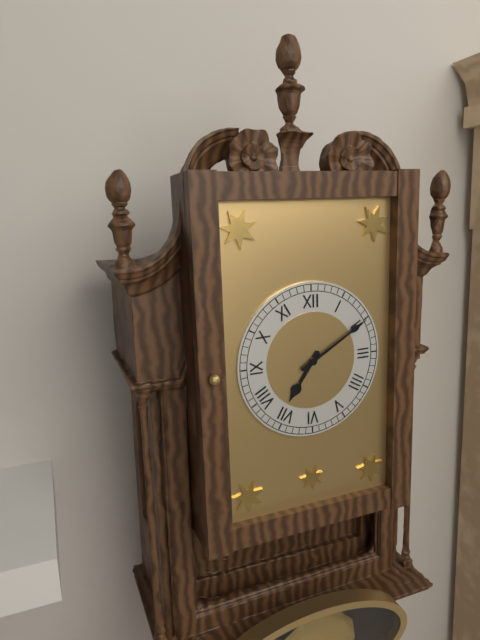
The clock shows **7:10**
